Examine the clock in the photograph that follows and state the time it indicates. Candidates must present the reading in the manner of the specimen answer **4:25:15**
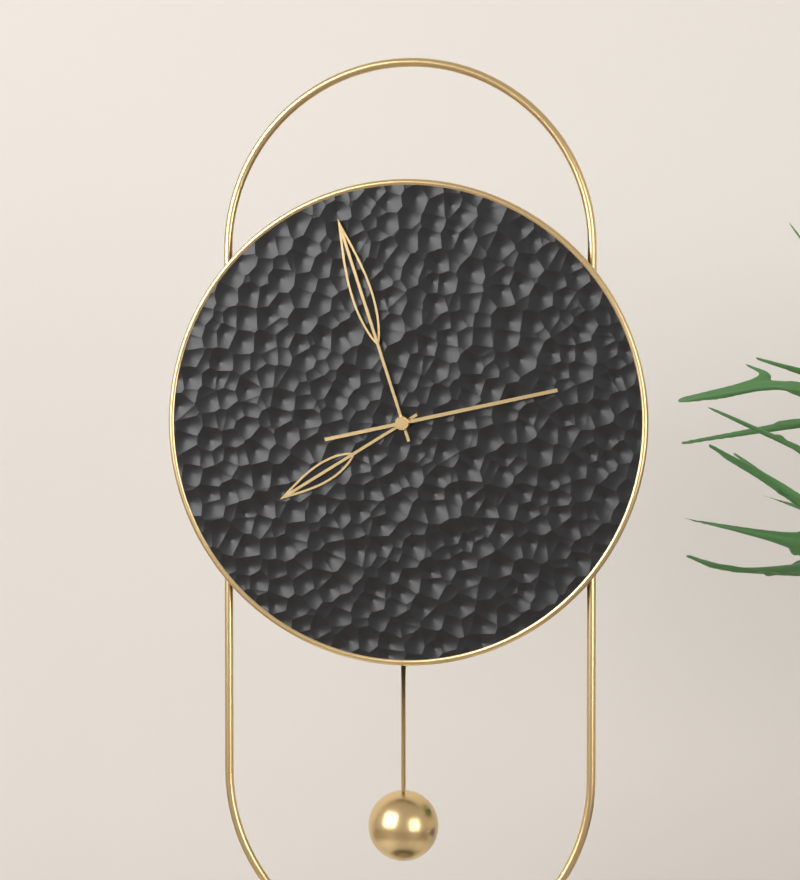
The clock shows **7:57:13**
